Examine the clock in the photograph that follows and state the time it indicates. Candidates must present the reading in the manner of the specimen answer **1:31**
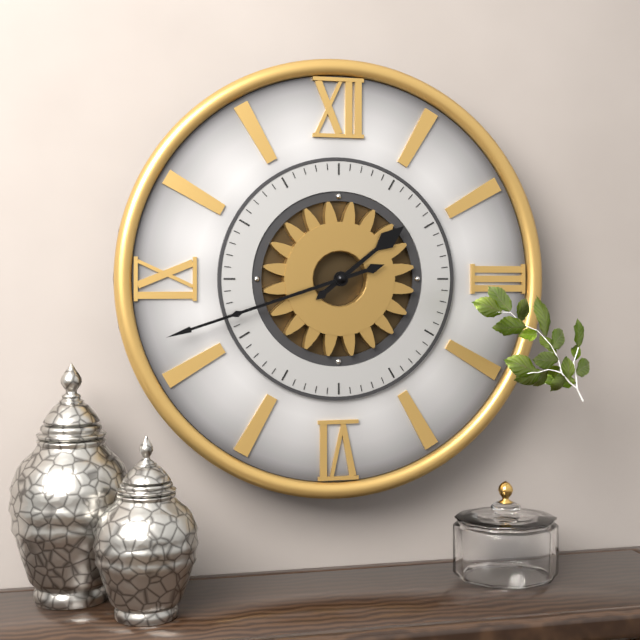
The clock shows **1:42**
